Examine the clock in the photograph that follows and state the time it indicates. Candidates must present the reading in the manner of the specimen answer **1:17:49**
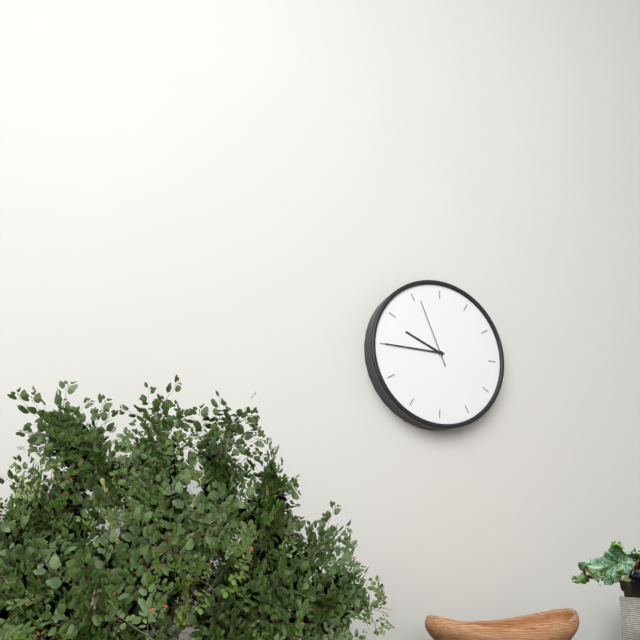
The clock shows **9:45:56**
